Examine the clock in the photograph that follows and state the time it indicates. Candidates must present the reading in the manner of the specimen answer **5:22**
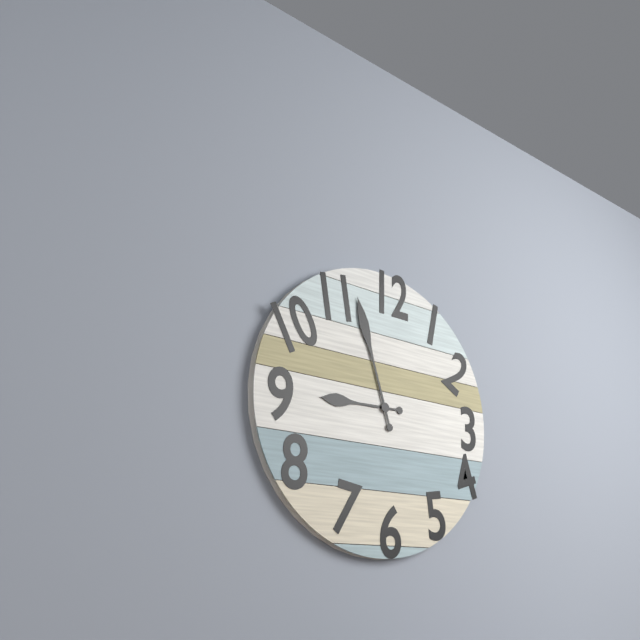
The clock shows **8:57**
